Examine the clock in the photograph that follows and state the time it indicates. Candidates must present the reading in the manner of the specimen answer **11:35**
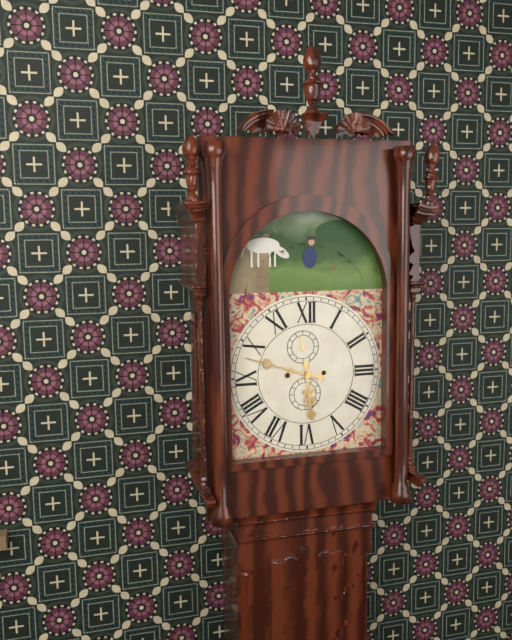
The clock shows **5:48**
